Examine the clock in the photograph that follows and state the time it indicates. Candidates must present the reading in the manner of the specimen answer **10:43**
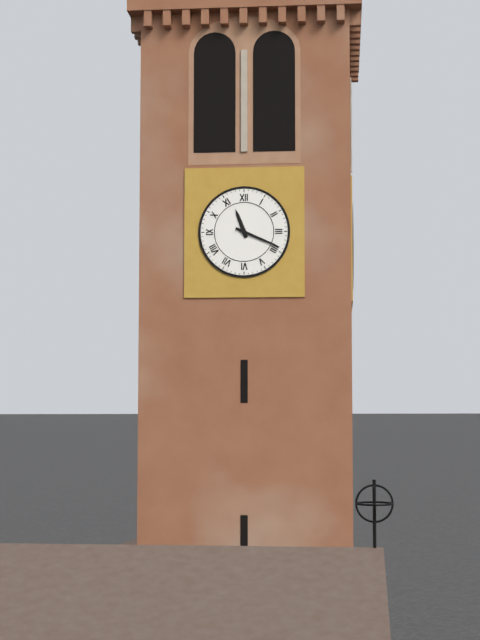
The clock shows **11:19**
